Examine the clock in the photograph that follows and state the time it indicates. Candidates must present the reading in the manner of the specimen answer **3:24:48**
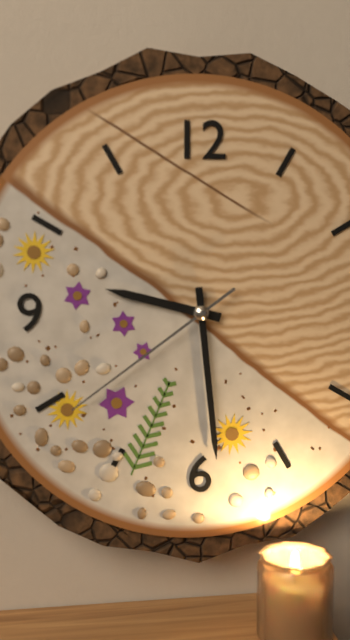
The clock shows **9:29:39**
